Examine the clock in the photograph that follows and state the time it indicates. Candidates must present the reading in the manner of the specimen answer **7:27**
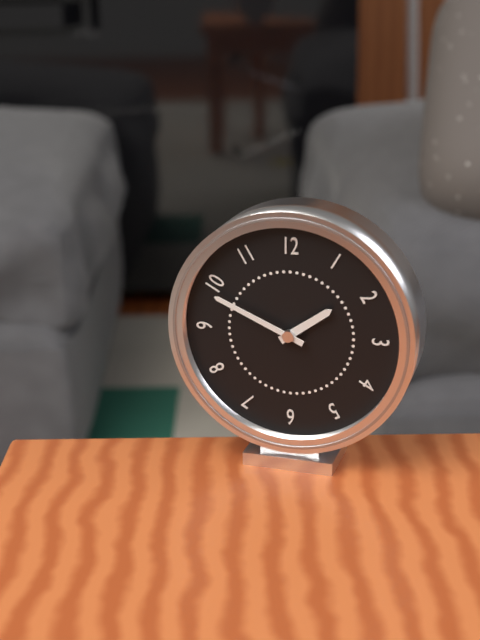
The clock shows **1:49**
